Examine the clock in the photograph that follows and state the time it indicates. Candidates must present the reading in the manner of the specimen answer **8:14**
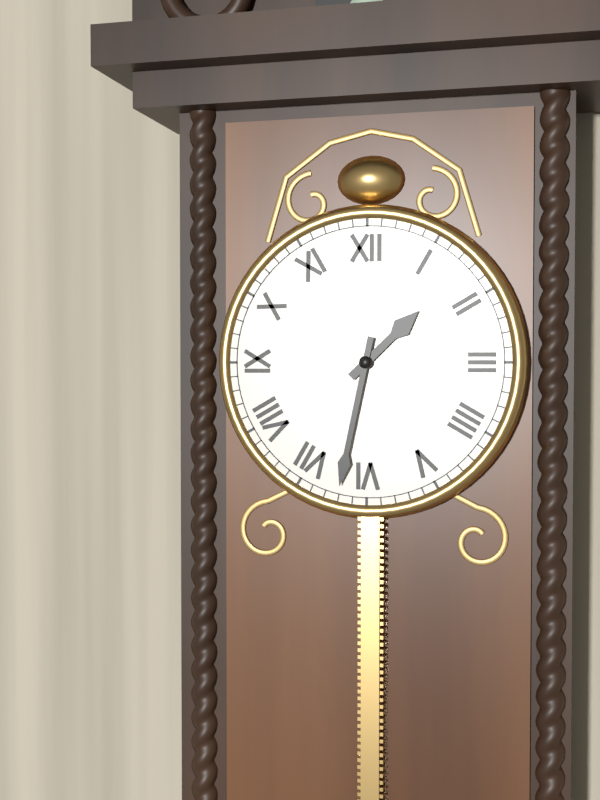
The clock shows **1:32**
